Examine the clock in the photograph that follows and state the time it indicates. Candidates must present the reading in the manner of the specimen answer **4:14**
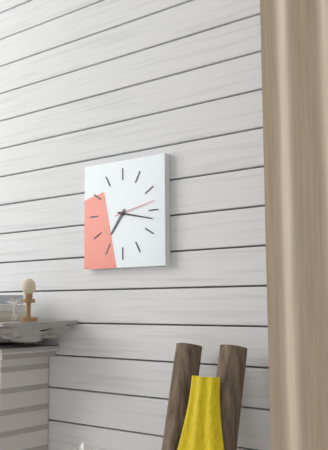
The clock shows **7:17**
